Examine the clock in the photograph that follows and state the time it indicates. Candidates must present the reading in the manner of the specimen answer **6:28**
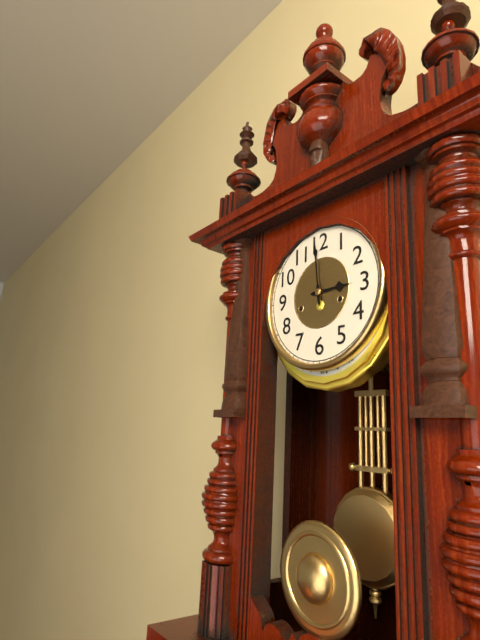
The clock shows **2:59**
